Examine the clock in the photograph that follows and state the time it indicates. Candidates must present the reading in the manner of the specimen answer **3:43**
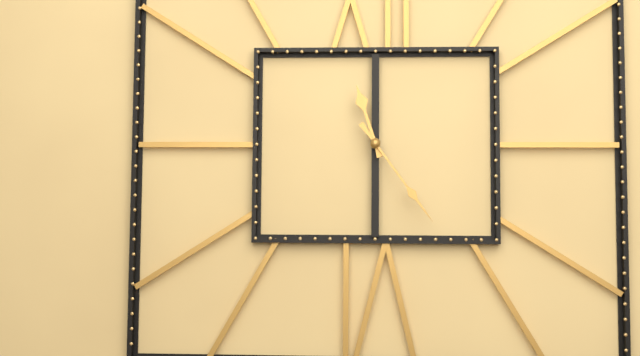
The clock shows **11:24**
